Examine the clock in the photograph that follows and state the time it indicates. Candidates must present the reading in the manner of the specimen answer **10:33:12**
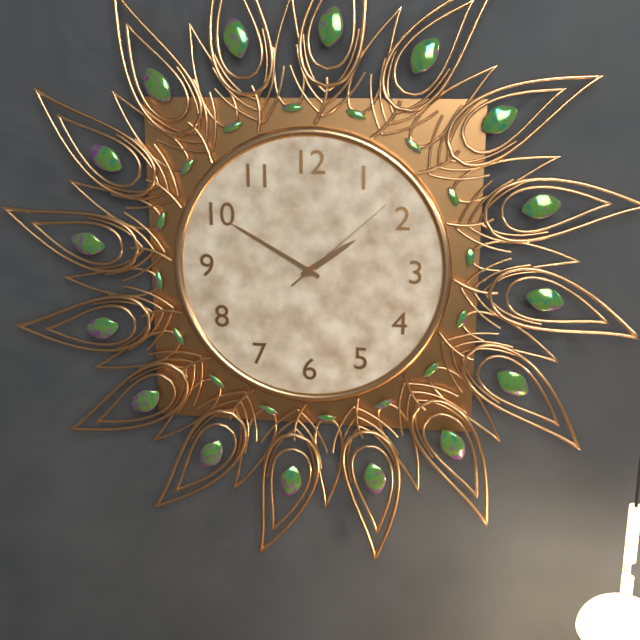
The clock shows **1:50:08**
